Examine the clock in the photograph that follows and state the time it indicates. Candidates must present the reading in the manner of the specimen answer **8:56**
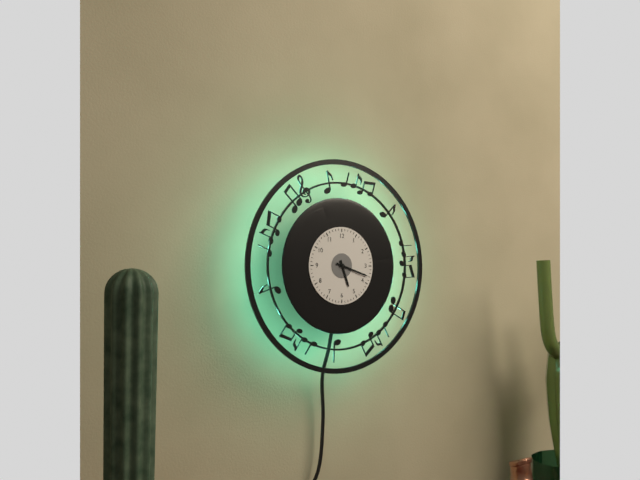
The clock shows **5:18**
